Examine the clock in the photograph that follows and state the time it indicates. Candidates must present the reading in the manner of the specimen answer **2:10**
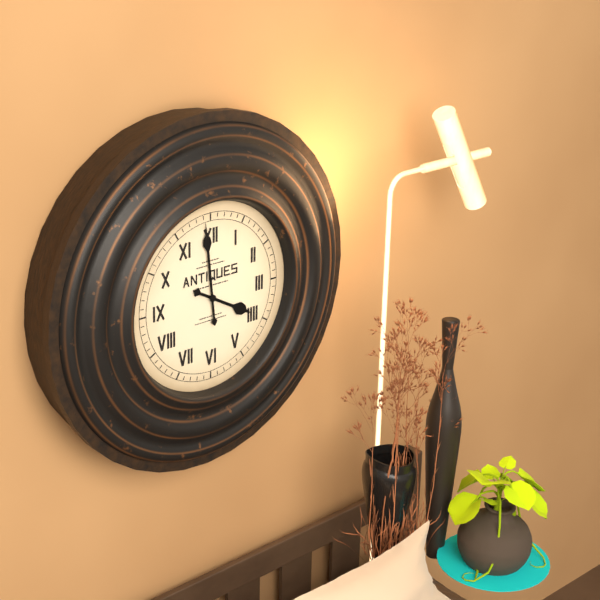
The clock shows **3:59**
